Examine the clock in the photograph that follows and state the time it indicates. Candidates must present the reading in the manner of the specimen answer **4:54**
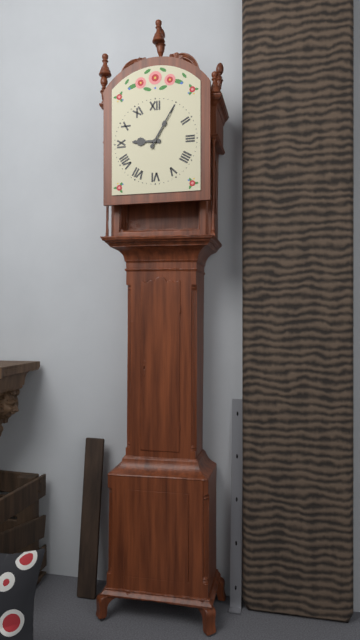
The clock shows **9:05**
